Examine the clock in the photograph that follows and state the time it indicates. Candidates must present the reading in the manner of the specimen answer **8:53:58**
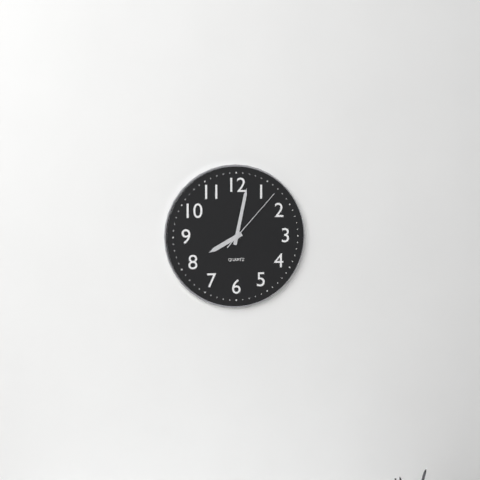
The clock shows **8:02:07**
